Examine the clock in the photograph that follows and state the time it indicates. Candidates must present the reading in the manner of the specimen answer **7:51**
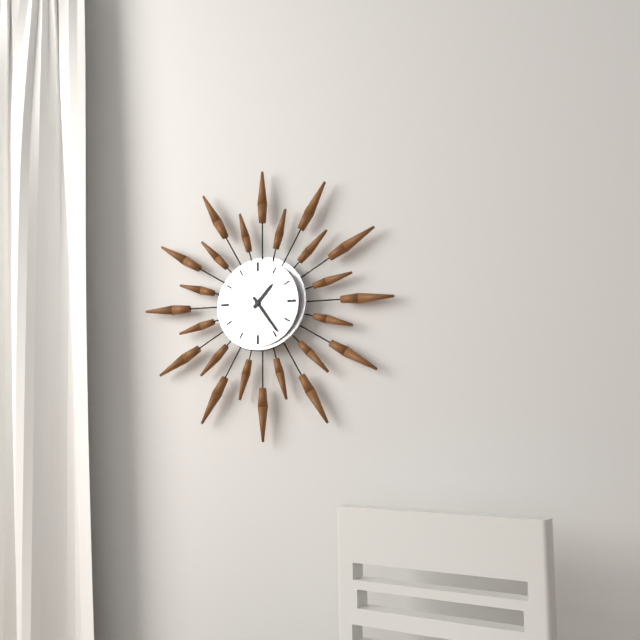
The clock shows **1:24**
